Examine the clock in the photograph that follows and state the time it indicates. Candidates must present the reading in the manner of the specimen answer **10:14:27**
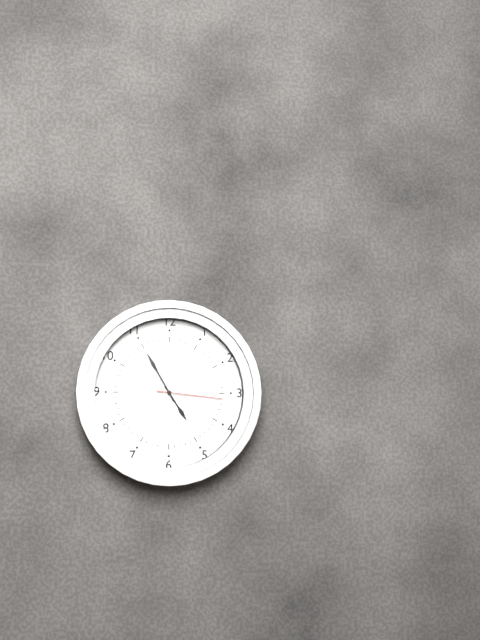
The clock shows **4:55:16**
